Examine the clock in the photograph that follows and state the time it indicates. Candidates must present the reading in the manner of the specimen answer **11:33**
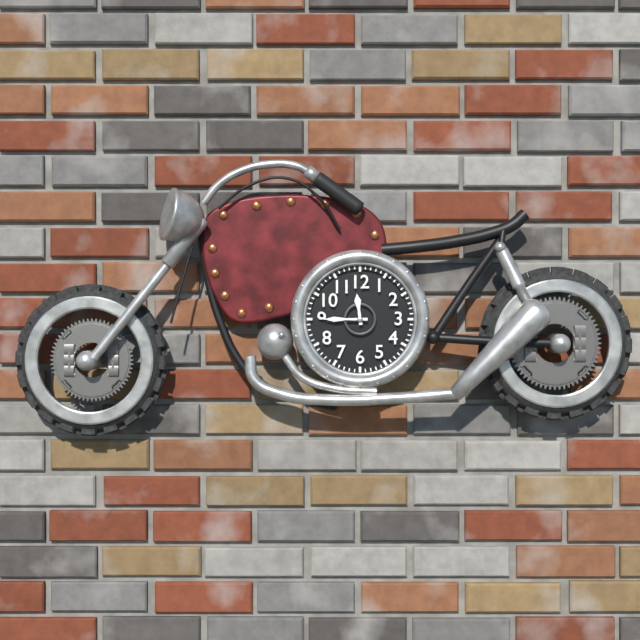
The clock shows **11:45**
